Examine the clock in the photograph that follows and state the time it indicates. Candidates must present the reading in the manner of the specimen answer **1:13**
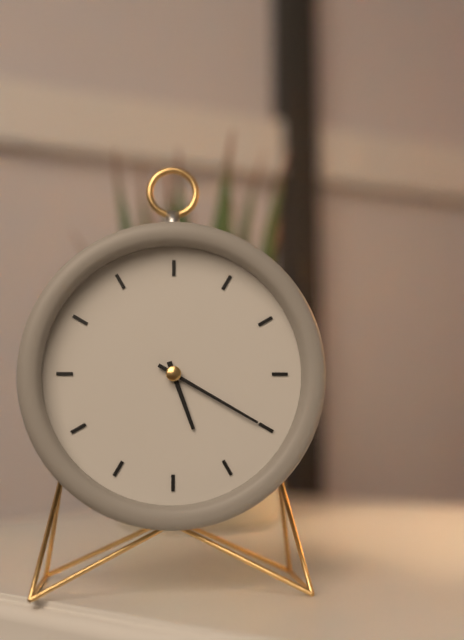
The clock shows **5:20**
